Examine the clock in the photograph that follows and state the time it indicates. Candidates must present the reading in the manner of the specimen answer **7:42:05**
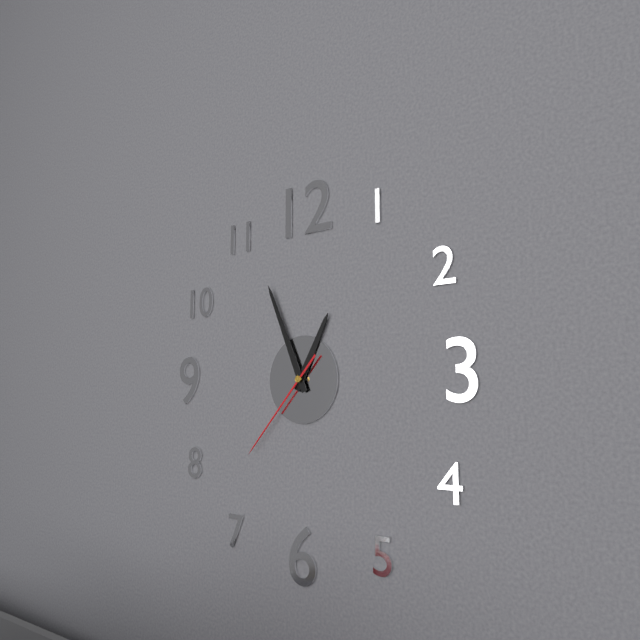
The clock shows **12:56:37**
